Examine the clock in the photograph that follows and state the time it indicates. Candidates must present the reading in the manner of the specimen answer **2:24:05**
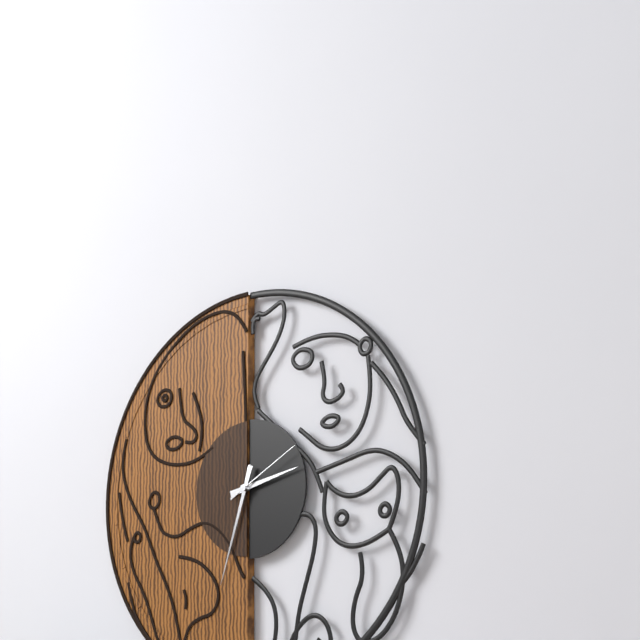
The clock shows **2:33:10**
